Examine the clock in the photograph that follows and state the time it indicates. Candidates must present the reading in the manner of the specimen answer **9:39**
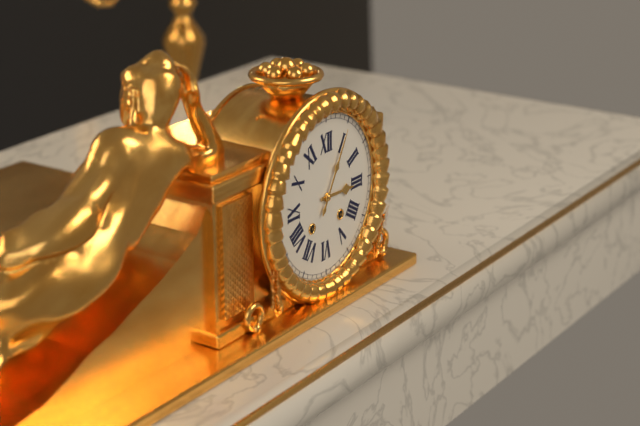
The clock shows **3:05**
